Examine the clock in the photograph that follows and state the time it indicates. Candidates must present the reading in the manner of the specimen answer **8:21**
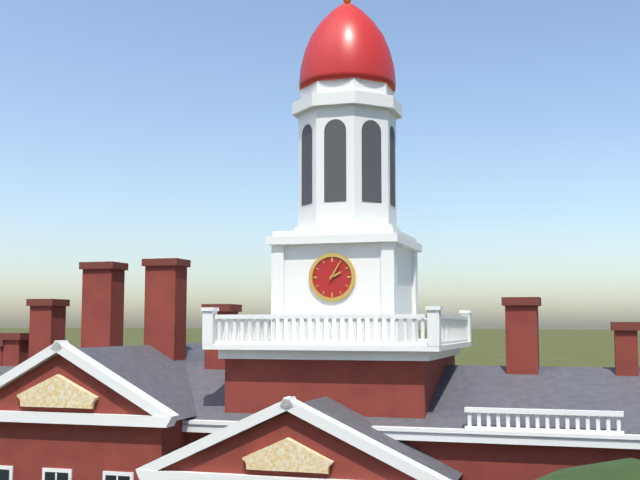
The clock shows **2:05**
